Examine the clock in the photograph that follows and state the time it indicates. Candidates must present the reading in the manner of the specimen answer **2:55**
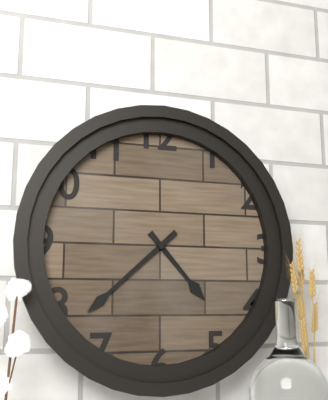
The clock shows **4:38**
